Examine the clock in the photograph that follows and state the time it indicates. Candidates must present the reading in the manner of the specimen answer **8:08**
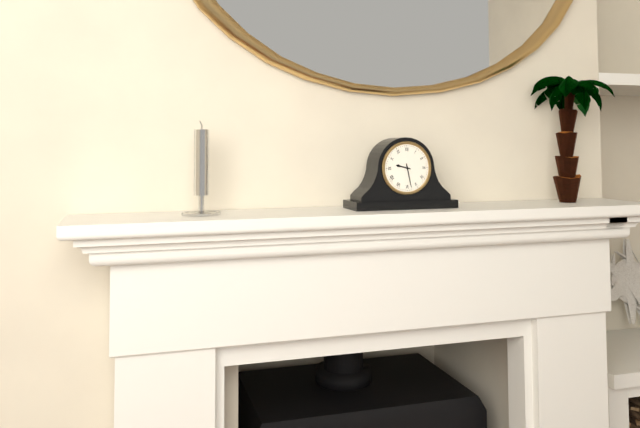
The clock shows **9:28**
